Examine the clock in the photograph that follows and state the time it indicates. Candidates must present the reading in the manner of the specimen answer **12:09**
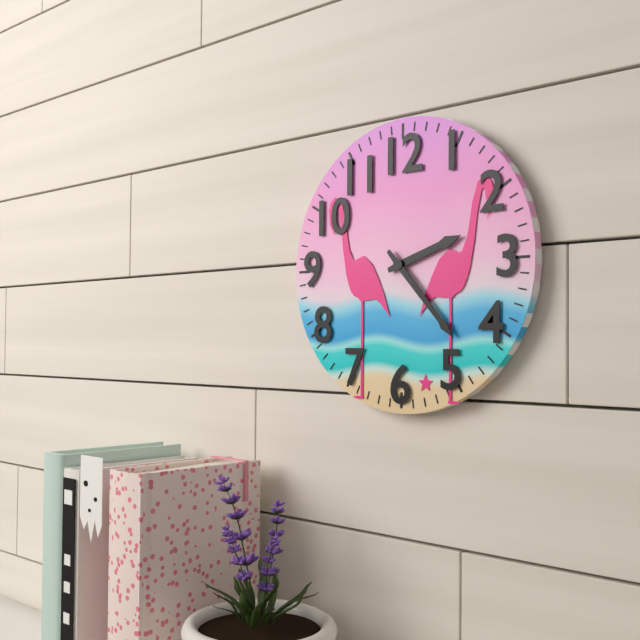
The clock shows **2:23**
